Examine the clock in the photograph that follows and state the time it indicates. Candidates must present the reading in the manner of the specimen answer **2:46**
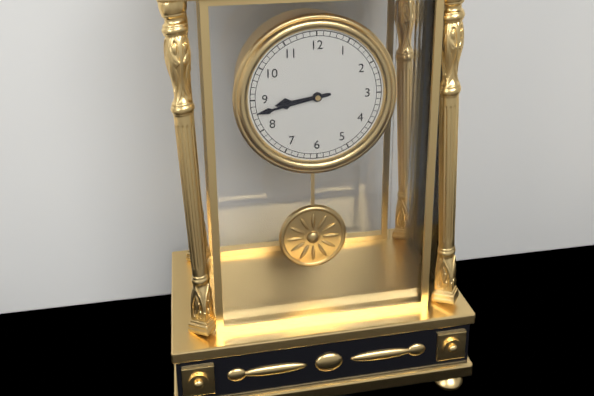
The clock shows **8:43**
